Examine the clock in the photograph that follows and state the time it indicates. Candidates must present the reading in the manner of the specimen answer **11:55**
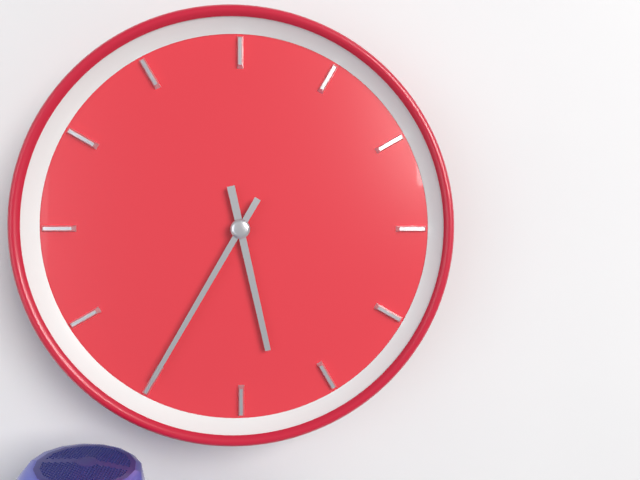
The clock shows **5:35**
